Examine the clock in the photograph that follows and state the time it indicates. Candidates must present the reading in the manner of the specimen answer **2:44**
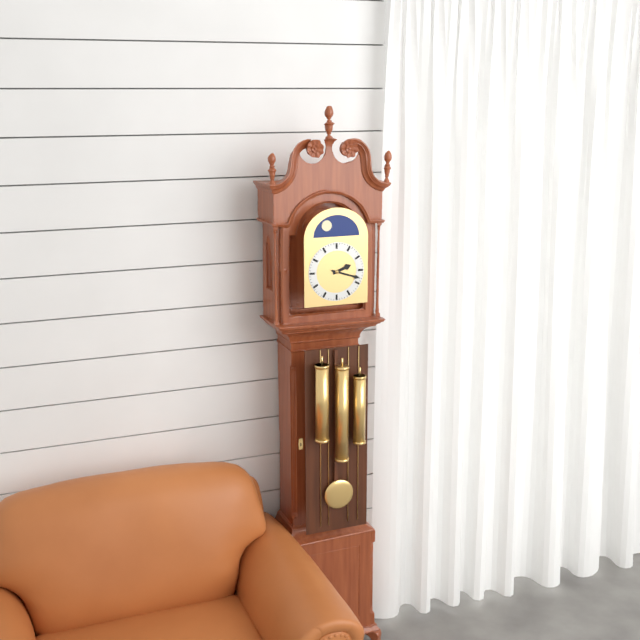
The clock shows **2:18**
